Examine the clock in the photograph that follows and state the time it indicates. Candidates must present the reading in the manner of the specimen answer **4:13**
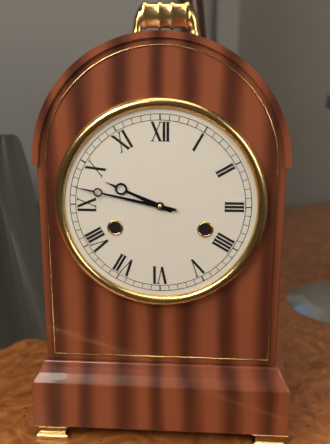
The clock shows **9:47**
